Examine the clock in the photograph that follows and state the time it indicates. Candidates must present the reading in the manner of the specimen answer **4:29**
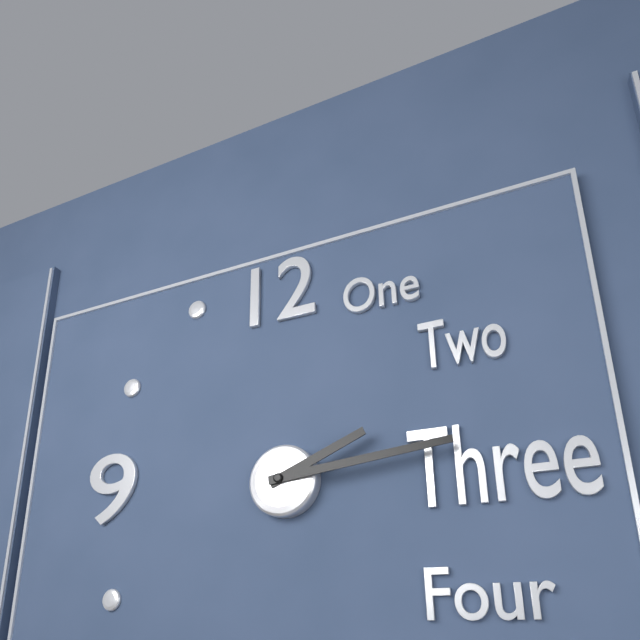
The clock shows **2:14**
